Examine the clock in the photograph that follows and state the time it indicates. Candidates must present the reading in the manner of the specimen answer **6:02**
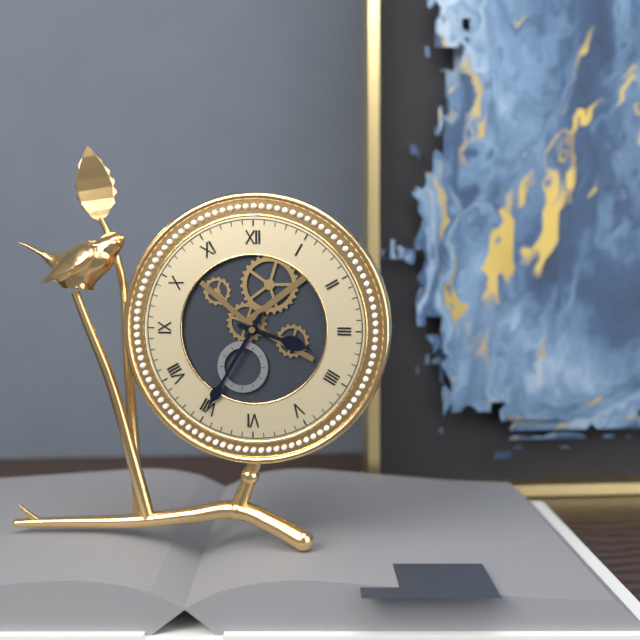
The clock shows **3:35**
